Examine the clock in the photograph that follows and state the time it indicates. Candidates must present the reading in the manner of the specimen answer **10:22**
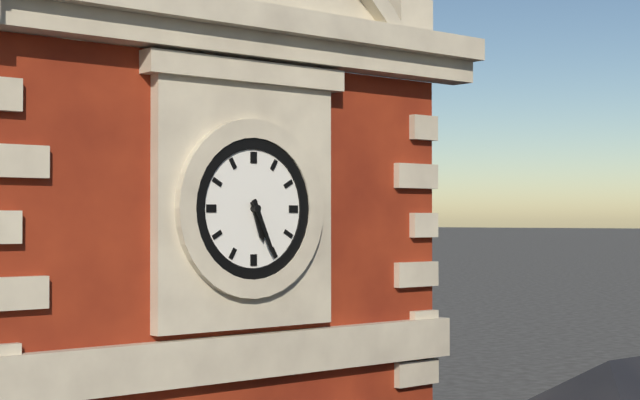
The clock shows **5:26**
